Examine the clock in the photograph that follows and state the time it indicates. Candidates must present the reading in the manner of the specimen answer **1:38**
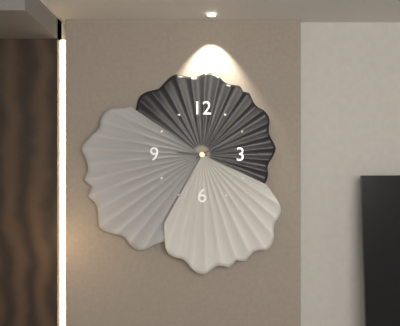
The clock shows **9:10**
